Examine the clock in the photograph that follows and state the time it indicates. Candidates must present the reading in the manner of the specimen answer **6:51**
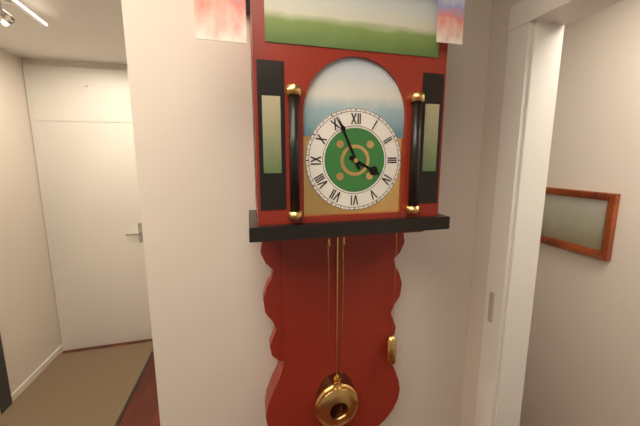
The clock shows **3:56**
